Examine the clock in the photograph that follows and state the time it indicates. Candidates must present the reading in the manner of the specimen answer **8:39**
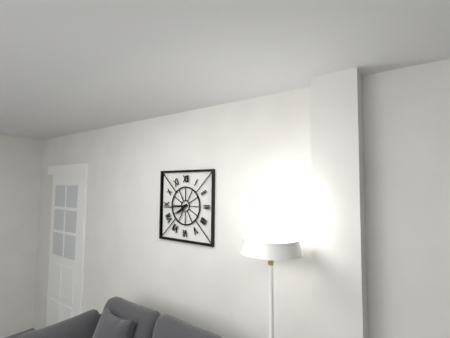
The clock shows **7:44**
